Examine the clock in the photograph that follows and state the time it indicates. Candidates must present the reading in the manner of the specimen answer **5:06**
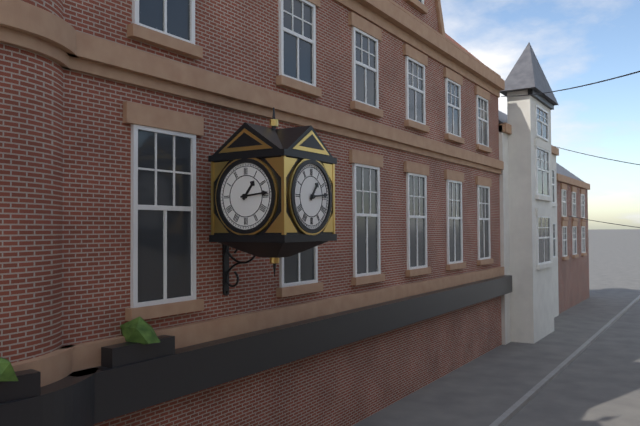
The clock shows **1:14**
